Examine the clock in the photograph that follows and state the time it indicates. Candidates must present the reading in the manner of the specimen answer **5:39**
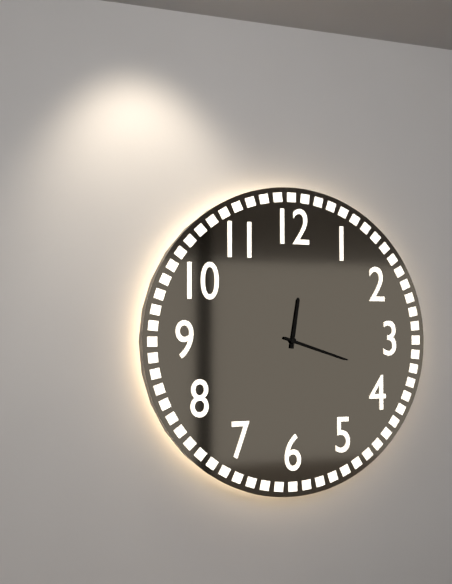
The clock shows **12:18**
